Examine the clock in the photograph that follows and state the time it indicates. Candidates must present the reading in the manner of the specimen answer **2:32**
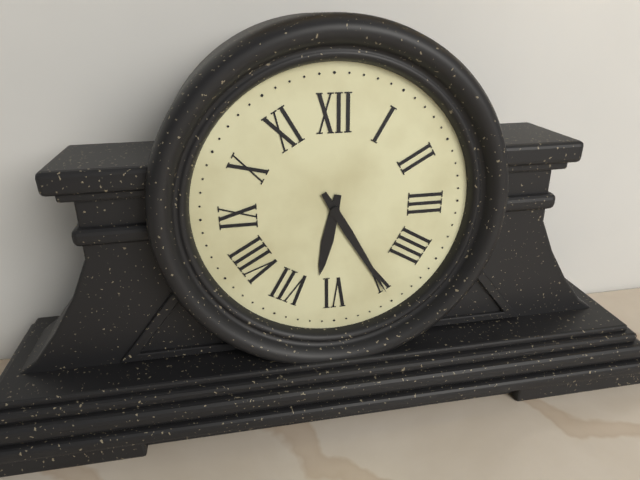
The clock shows **6:25**
